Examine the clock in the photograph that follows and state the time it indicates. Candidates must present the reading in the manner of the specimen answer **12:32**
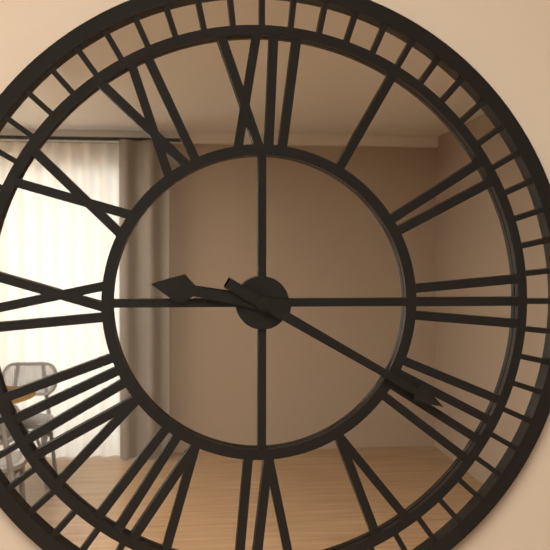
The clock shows **9:20**
